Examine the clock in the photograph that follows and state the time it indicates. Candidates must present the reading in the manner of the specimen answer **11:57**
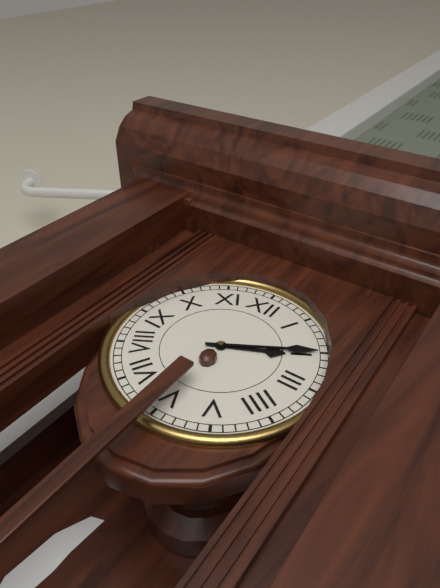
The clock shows **2:10**
